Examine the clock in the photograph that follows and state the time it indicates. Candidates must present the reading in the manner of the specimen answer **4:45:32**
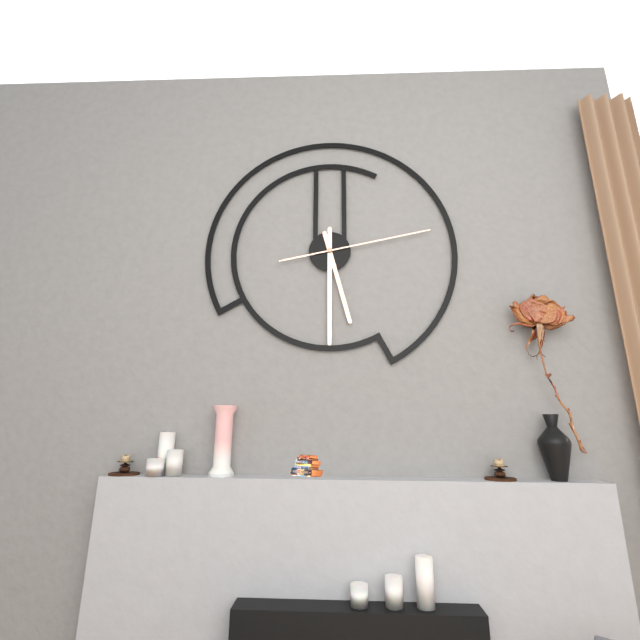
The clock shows **5:30:13**
